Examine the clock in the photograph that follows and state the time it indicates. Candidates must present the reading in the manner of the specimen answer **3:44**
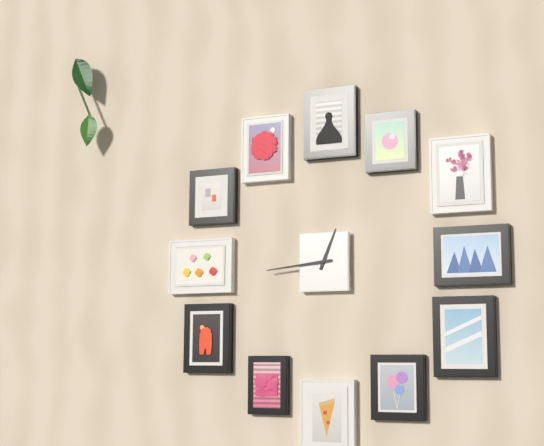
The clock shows **12:44**
